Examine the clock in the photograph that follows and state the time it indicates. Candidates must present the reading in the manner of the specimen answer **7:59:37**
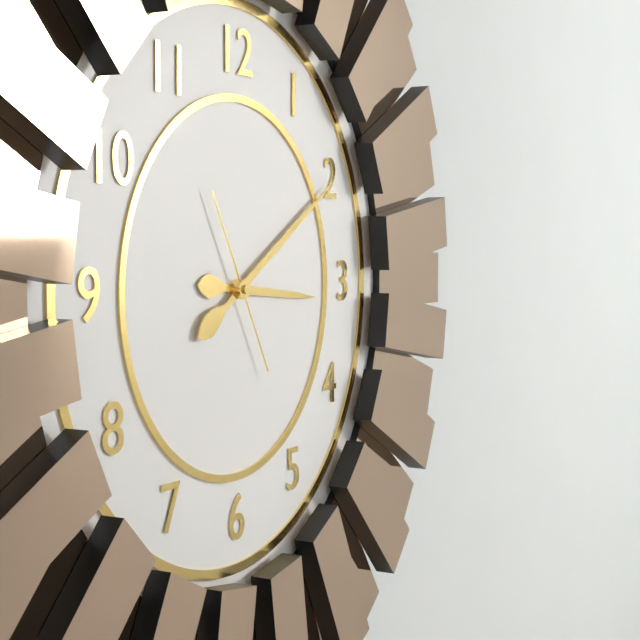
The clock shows **3:10:55**
